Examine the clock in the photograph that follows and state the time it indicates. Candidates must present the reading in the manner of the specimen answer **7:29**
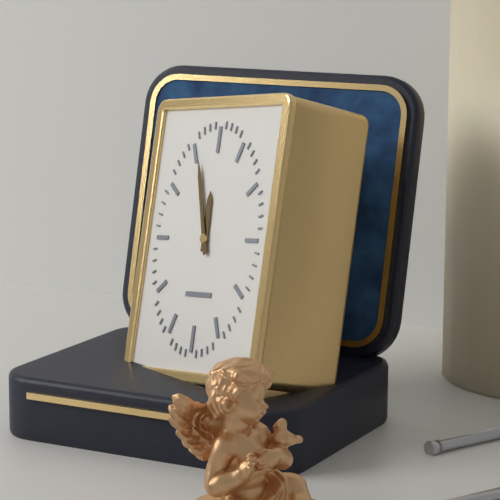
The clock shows **11:57**
